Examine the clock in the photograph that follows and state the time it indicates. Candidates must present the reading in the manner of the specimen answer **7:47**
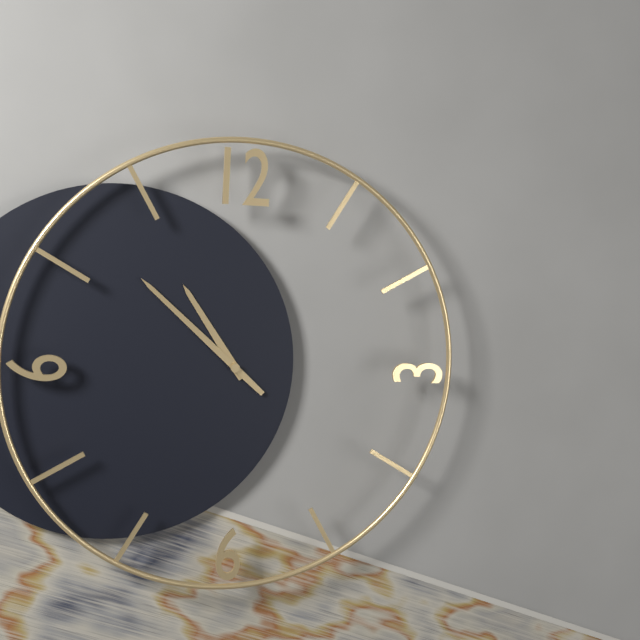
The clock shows **10:52**
